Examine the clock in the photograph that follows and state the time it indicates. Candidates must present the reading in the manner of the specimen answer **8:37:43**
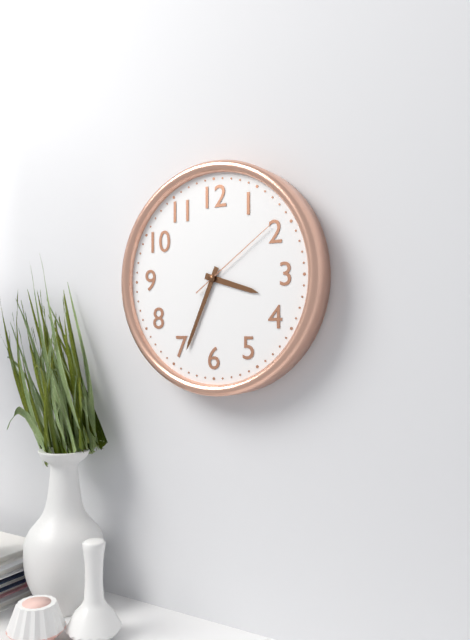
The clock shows **3:34:09**
